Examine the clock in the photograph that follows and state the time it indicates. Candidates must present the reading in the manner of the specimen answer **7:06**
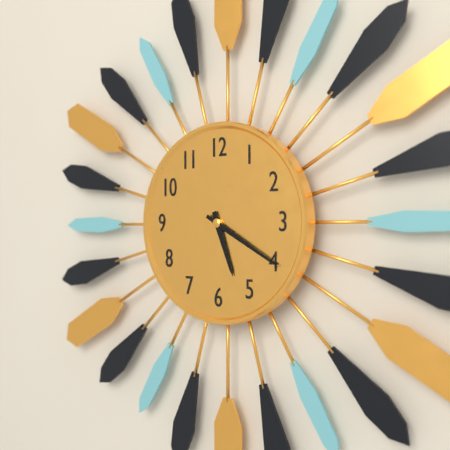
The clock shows **5:20**
